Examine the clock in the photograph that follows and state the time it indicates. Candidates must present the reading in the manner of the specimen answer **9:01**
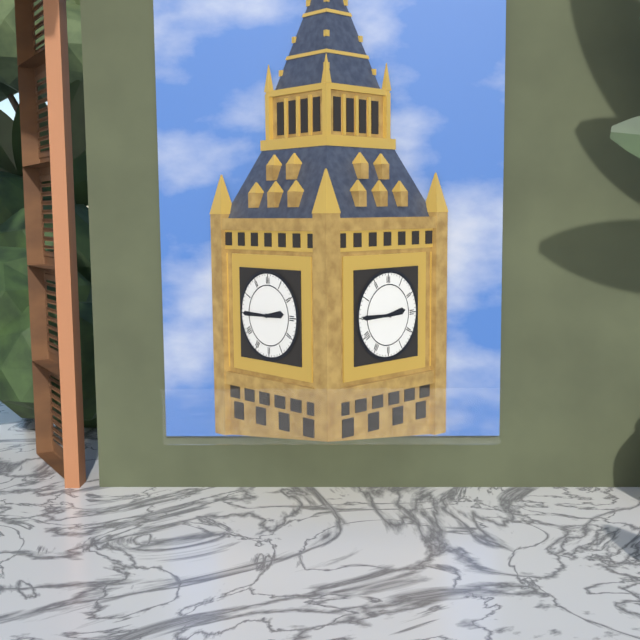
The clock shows **2:45**
